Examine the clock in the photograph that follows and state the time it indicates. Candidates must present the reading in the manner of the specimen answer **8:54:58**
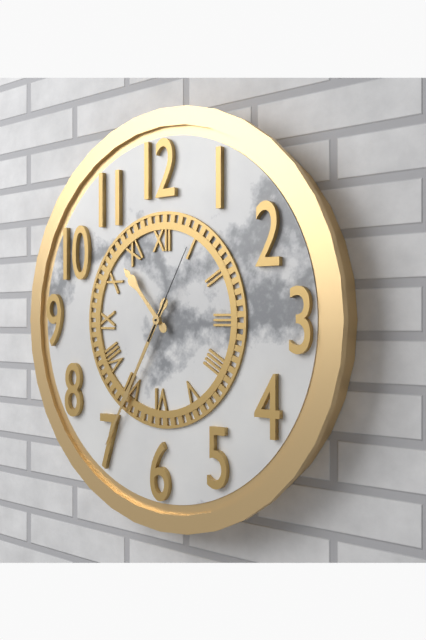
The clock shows **10:35:05**
